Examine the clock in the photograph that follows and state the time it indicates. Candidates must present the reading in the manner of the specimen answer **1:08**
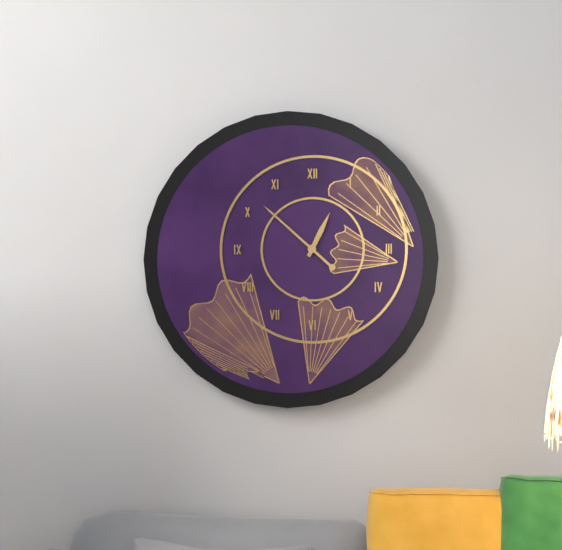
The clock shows **12:52**
